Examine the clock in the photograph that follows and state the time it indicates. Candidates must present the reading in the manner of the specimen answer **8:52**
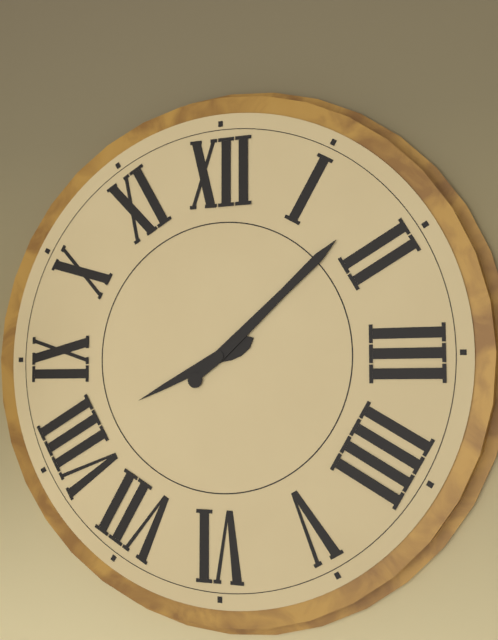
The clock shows **8:08**
